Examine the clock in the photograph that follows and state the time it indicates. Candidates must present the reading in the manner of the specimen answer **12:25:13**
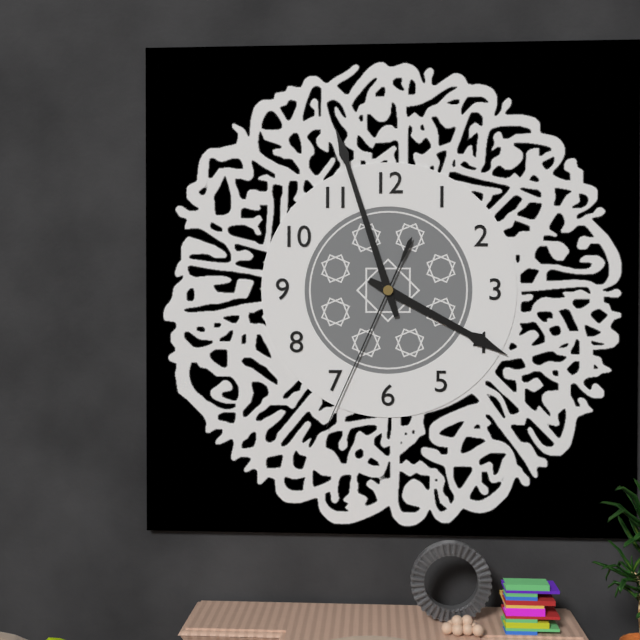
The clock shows **3:57:34**
